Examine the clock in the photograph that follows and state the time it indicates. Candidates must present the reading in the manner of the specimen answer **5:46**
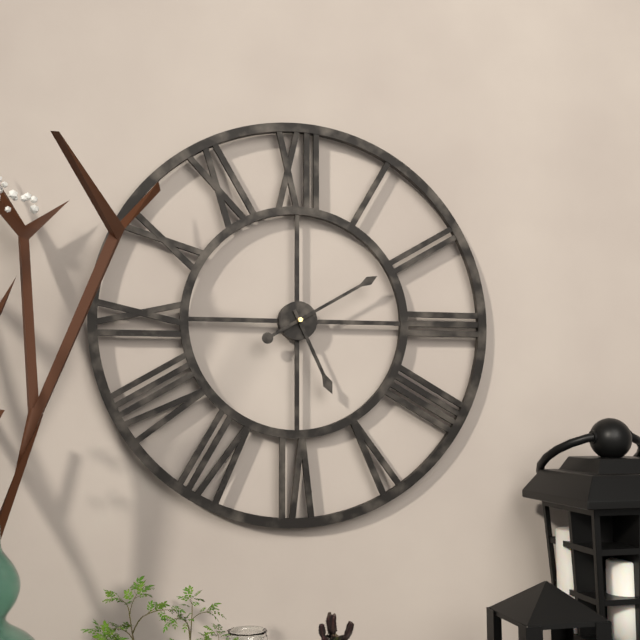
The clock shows **5:10**
